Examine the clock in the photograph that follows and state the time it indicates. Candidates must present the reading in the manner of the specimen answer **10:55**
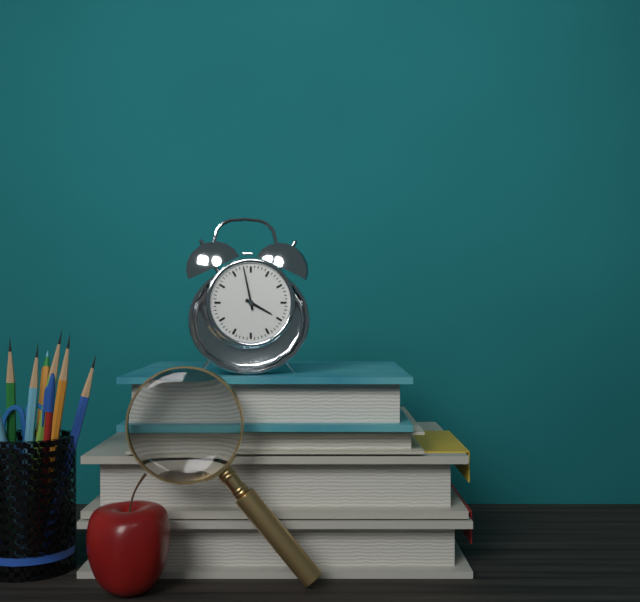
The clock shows **3:58**
